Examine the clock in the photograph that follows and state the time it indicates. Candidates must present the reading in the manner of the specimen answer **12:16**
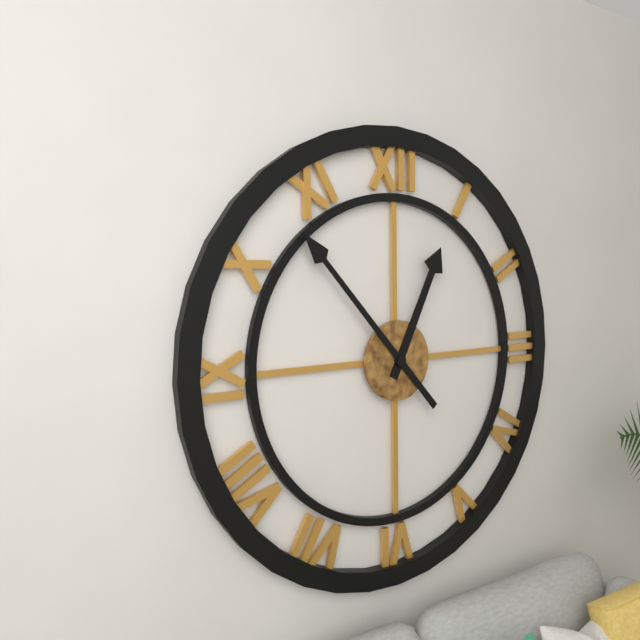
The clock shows **12:53**
